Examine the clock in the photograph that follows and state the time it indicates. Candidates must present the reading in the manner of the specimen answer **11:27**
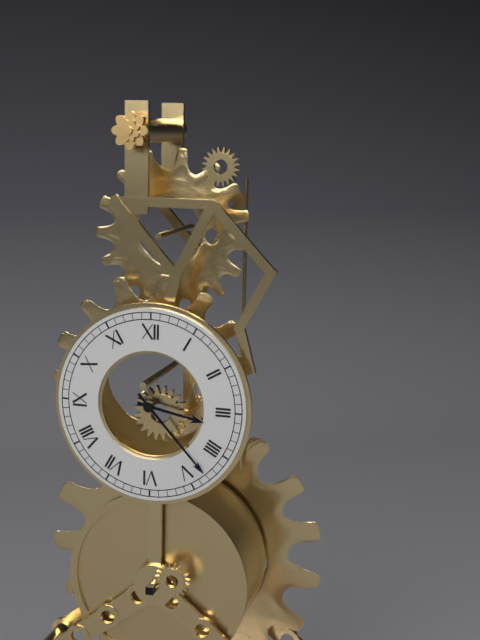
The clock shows **3:23**
